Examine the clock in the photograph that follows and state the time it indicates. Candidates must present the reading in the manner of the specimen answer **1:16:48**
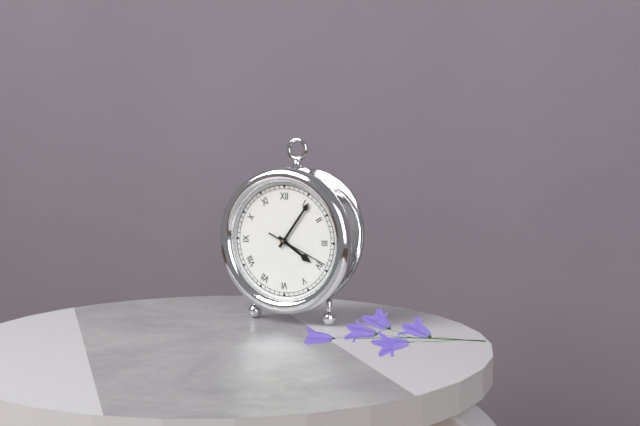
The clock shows **4:06:19**
